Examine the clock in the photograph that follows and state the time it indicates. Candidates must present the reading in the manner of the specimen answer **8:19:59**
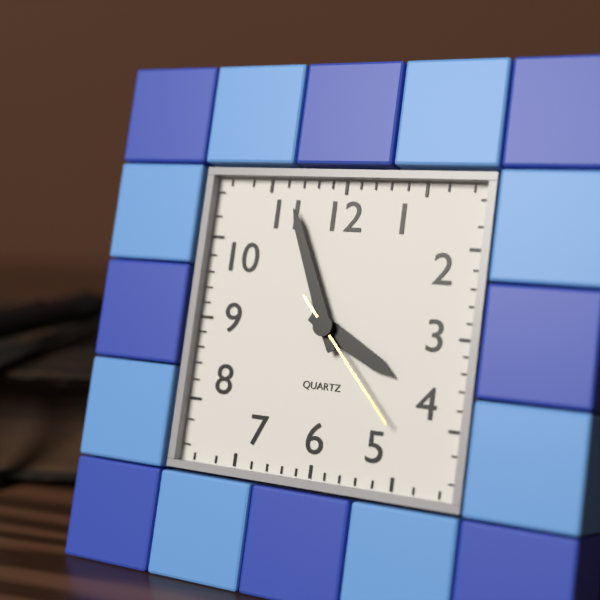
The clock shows **3:56:23**
